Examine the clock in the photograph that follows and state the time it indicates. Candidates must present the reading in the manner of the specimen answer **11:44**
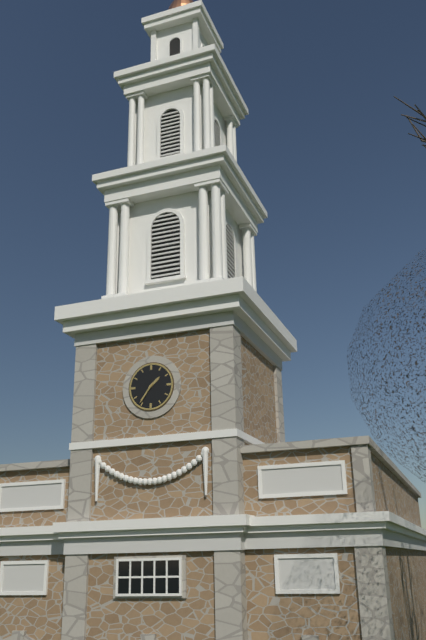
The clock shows **1:36**
